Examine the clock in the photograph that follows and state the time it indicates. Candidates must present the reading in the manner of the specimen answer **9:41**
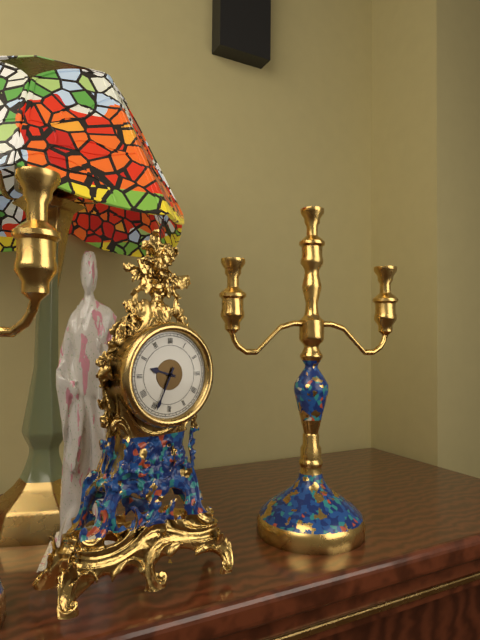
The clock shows **9:34**
